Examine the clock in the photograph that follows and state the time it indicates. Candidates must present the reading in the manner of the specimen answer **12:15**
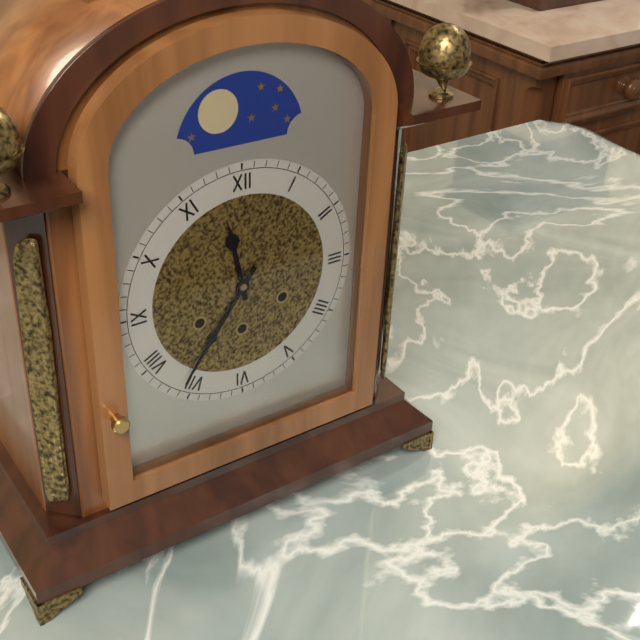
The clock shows **11:36**
